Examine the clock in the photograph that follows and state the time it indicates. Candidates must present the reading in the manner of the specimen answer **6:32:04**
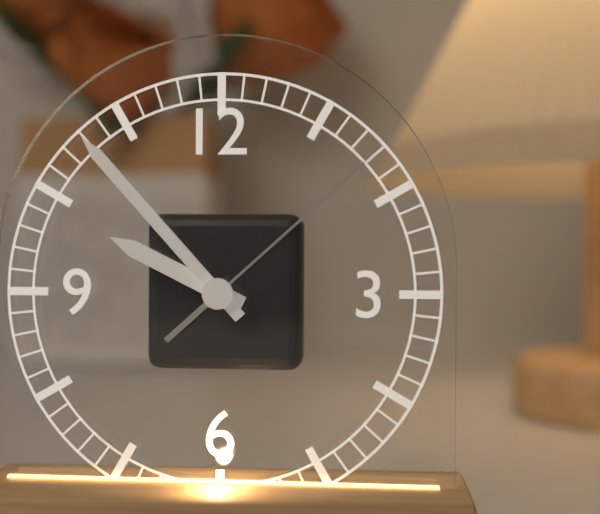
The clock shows **9:53:08**
